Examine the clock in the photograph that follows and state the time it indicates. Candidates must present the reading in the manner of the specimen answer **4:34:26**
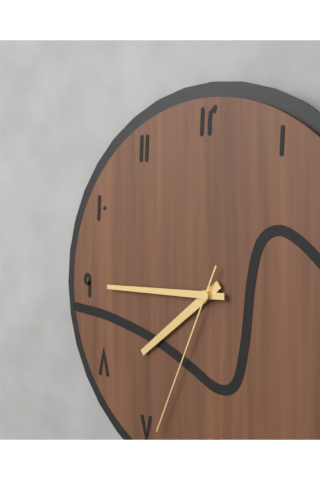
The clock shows **7:45:34**
